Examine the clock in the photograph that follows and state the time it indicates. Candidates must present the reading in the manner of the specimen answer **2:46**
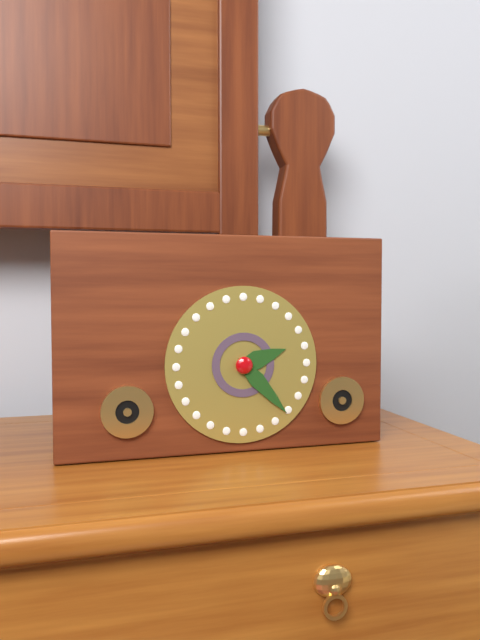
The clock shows **2:23**
